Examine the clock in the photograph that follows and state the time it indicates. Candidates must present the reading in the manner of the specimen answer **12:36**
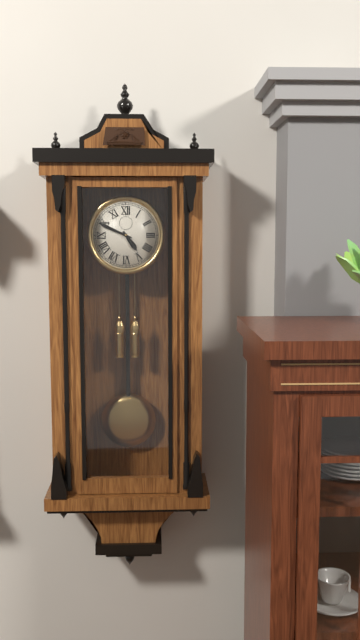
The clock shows **4:49**
